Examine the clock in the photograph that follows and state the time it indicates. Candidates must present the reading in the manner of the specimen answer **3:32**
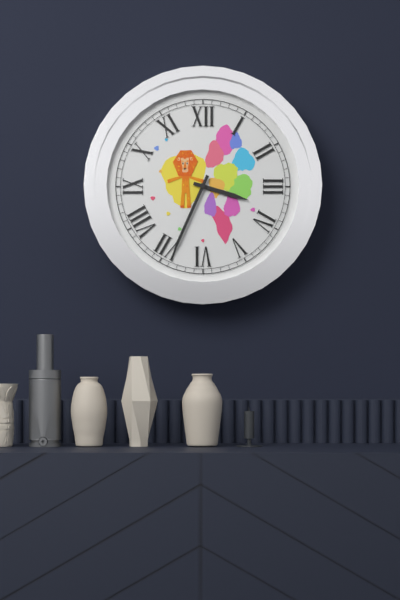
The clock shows **3:34**
